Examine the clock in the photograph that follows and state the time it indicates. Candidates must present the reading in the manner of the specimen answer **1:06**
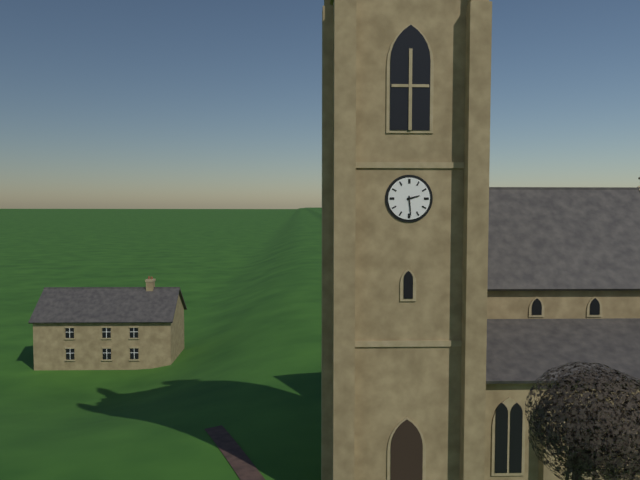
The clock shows **2:29**
